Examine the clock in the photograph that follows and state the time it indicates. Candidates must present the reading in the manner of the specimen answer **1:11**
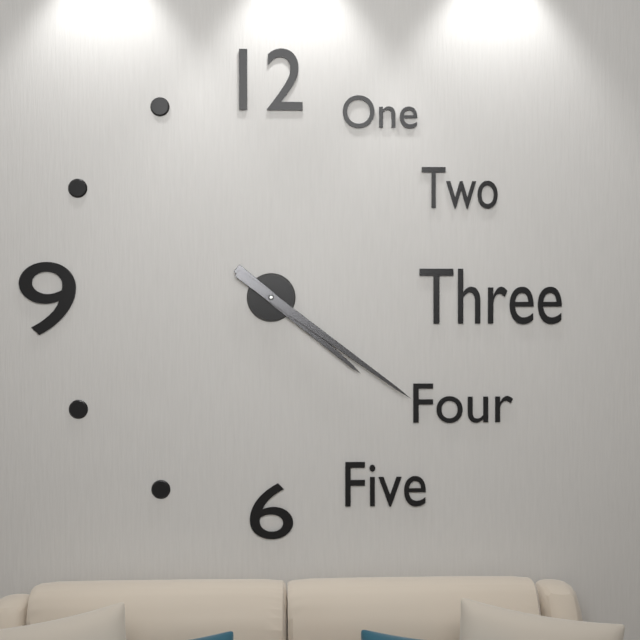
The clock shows **4:21**
